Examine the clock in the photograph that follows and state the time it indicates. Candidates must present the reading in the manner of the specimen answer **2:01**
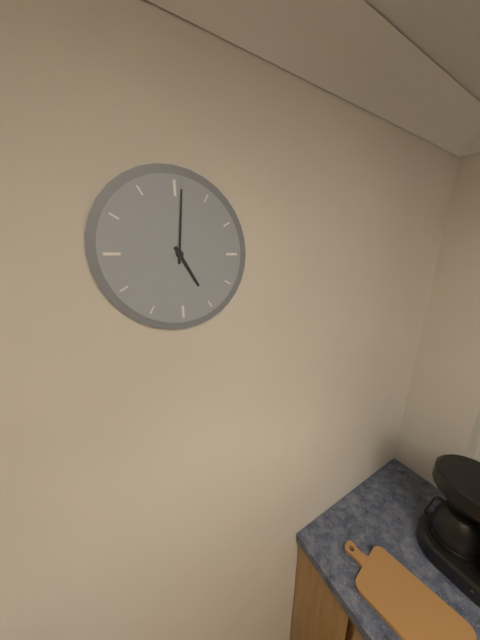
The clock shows **5:01**
